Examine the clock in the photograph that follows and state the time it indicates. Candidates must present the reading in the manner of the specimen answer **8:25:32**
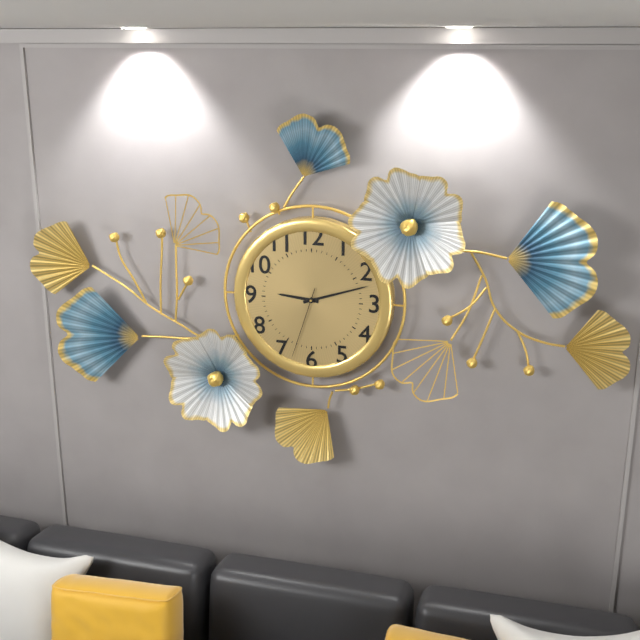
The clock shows **9:12:33**
